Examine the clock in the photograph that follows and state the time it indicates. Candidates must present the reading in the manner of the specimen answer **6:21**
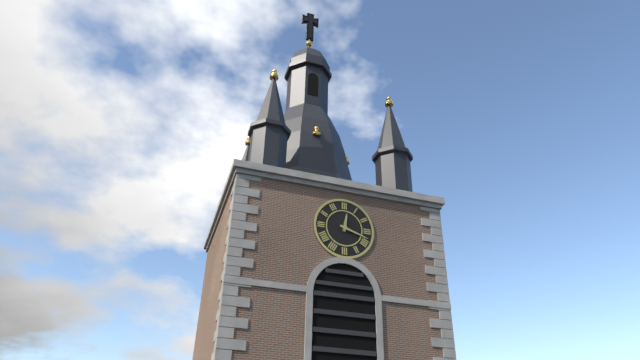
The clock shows **12:18**
